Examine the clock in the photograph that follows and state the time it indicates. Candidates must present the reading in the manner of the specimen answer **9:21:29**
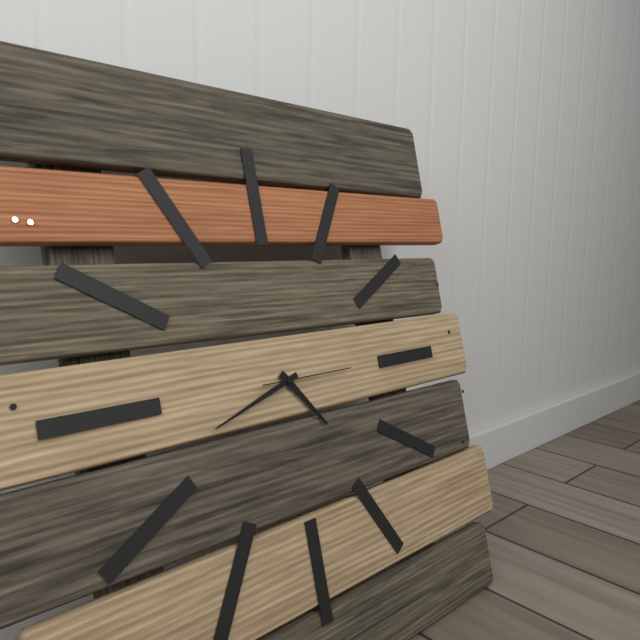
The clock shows **4:42:15**
